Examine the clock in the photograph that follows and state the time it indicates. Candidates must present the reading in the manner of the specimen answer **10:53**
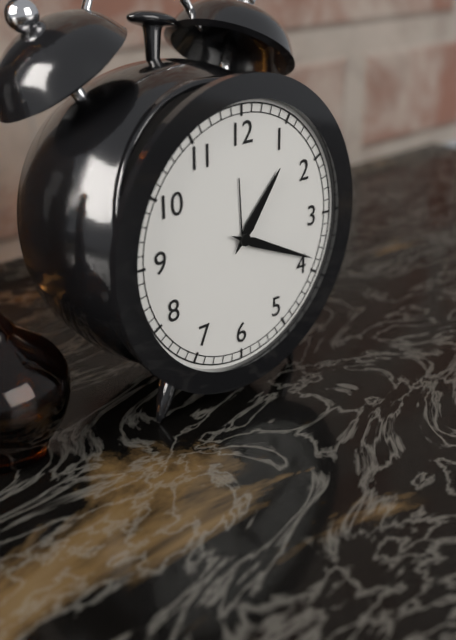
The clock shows **1:19**
